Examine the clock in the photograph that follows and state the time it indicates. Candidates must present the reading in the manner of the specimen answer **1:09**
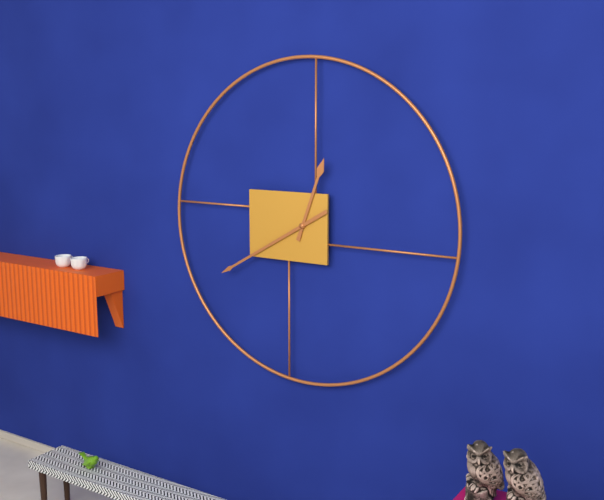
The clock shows **12:40**
